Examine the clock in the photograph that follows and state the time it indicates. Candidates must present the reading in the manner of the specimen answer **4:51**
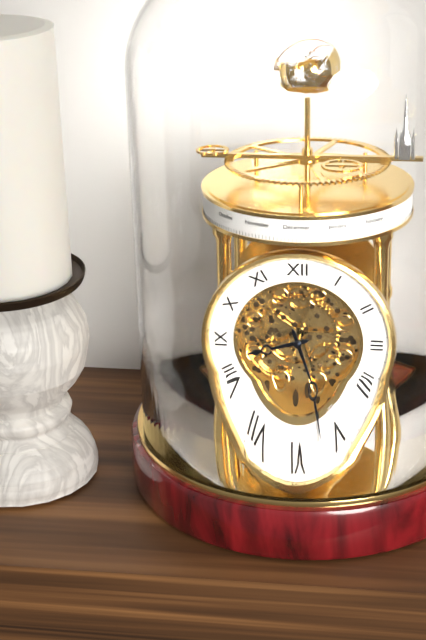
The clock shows **8:27**
